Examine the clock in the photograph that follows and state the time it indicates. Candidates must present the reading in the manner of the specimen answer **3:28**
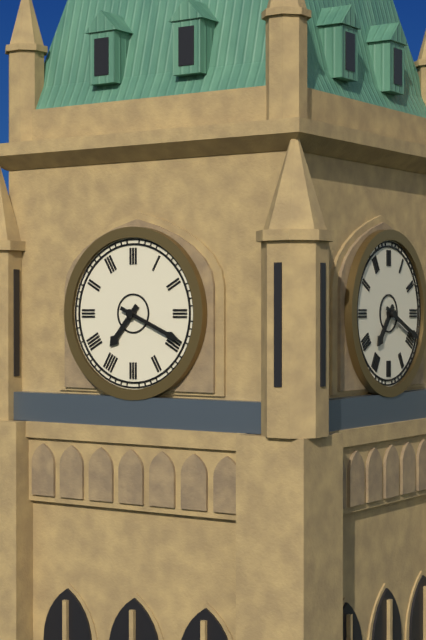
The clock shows **7:19**
